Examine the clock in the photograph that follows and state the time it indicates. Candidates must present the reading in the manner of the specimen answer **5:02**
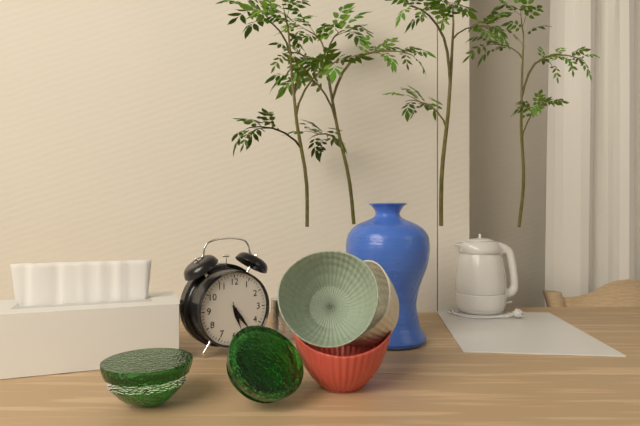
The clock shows **5:24**
